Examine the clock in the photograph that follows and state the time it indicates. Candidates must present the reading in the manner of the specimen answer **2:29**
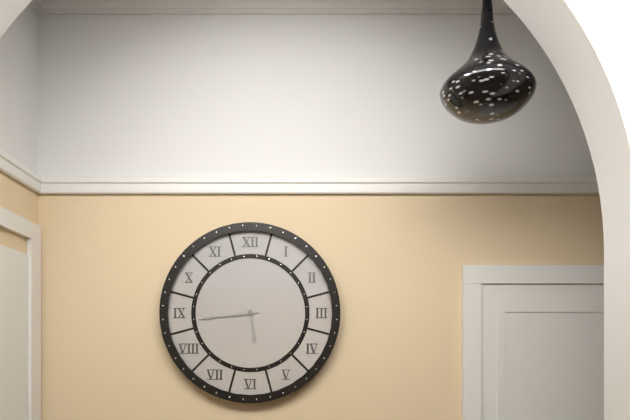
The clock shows **5:44**
